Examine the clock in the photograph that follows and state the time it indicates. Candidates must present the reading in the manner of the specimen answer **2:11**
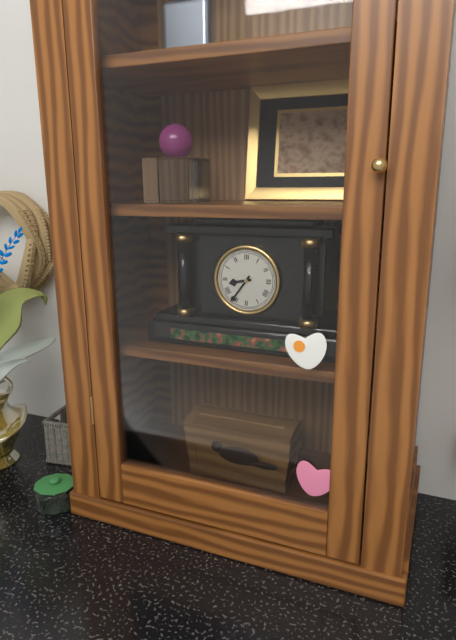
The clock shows **8:36**
